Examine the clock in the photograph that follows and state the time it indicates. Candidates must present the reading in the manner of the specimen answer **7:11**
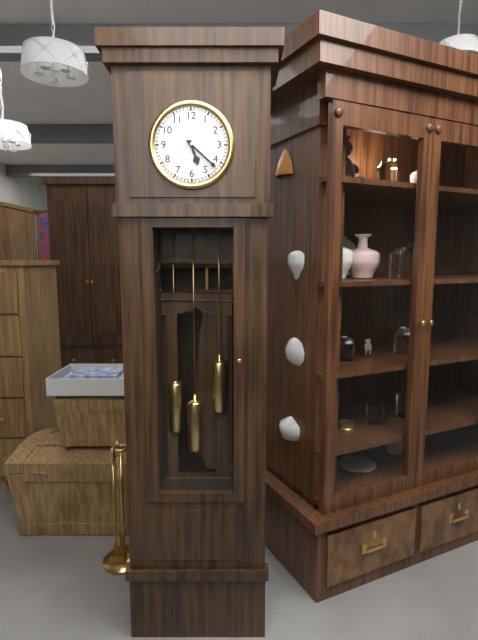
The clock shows **5:22**
